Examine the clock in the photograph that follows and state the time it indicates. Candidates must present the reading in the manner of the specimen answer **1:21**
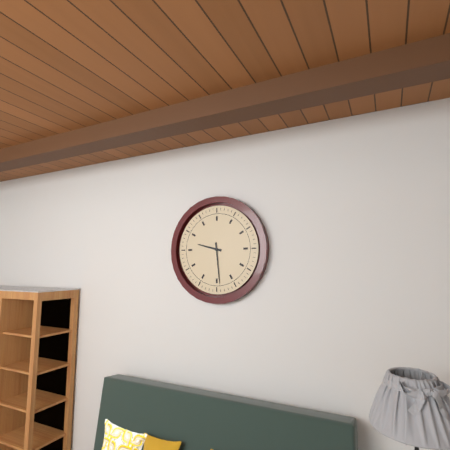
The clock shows **9:29**
